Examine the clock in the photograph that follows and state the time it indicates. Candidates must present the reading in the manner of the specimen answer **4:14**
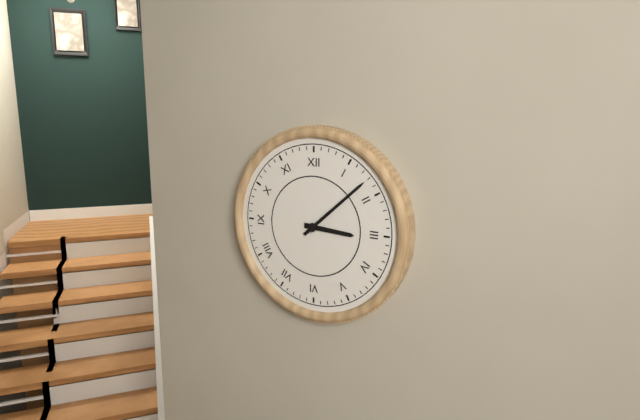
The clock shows **3:08**
